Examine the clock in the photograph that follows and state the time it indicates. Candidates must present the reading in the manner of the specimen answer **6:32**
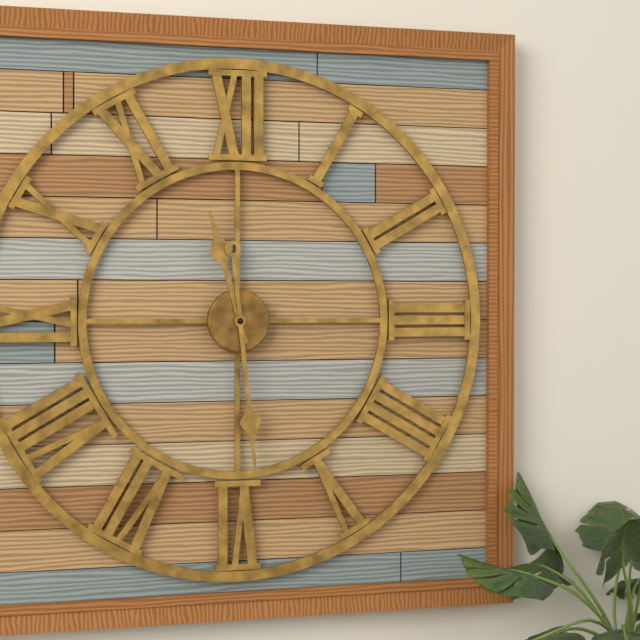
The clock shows **11:29**
